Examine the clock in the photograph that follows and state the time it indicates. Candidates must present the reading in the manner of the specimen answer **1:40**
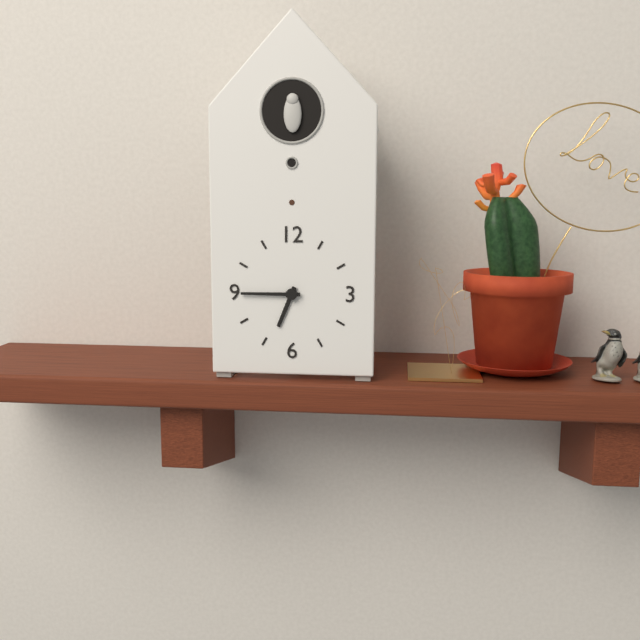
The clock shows **6:45**
